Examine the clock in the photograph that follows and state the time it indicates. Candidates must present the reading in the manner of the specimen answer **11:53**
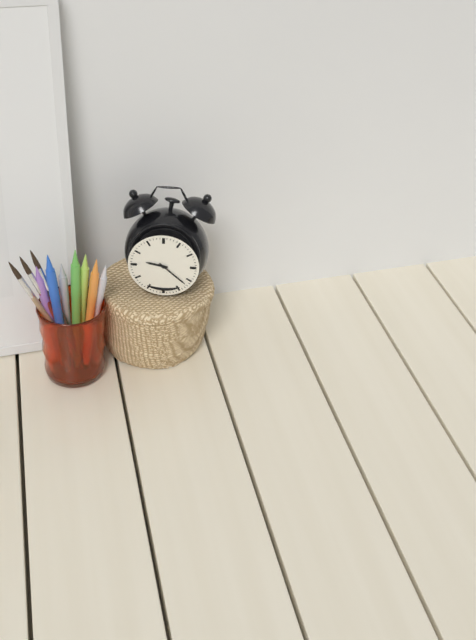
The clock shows **9:22**
